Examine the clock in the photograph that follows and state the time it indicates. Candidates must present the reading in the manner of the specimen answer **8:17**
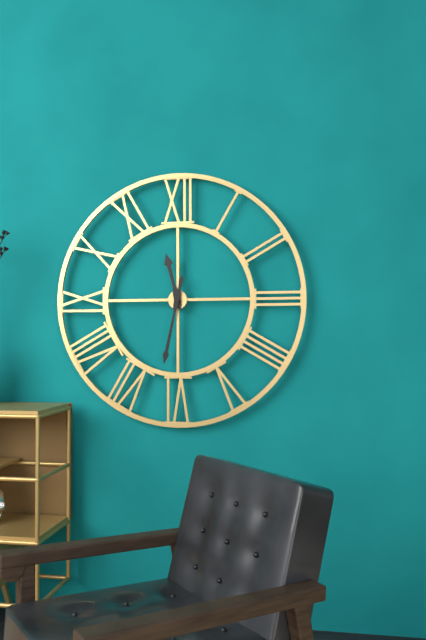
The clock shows **11:32**
